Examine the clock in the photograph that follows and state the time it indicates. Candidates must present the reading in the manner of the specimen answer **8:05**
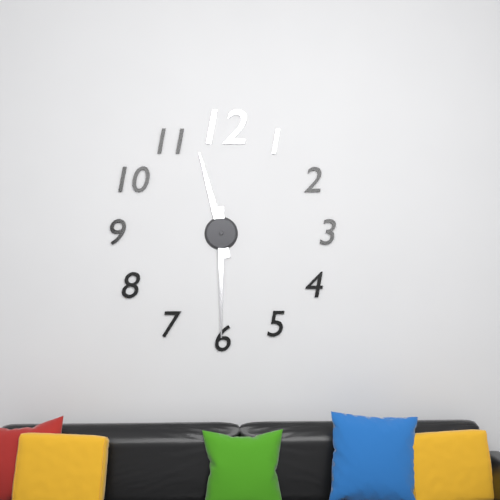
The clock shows **11:30**
